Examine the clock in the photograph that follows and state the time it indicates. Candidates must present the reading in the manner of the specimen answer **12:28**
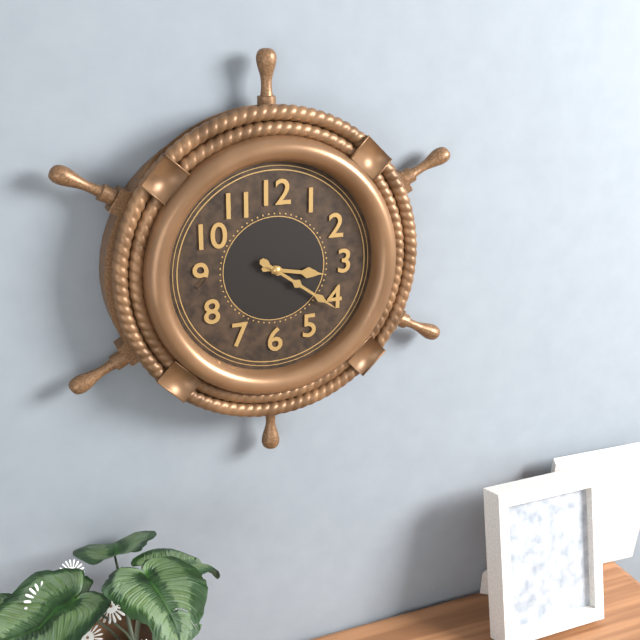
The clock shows **3:21**
